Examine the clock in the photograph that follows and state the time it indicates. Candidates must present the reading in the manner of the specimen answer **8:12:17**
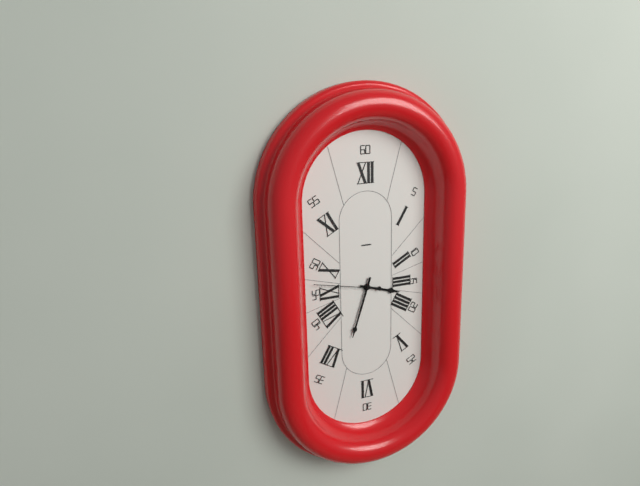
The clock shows **3:33:47**
